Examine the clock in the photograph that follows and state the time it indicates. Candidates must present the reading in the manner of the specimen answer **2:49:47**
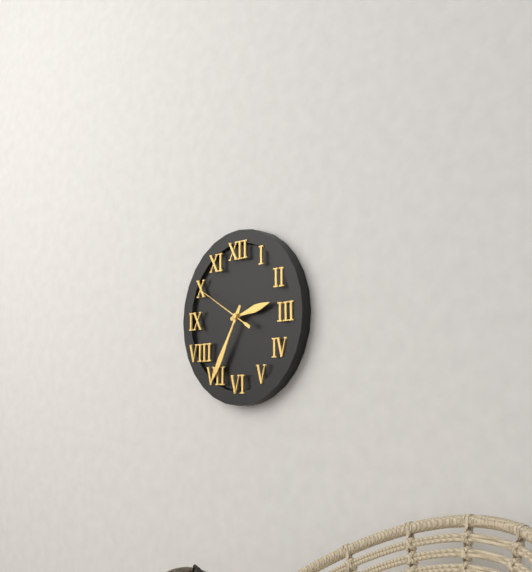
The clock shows **2:35:50**
